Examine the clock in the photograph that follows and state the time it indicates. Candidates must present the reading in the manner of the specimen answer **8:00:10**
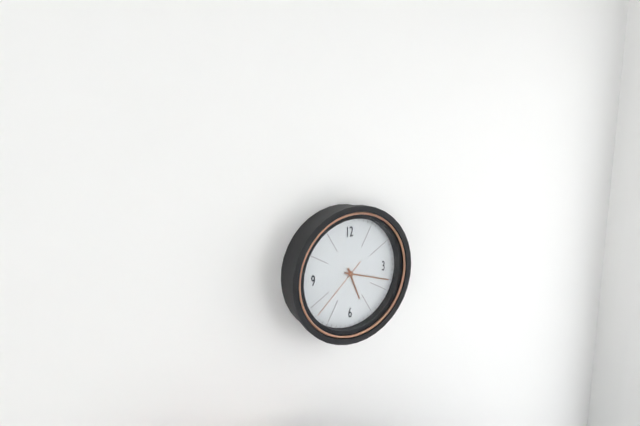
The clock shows **5:18:38**
